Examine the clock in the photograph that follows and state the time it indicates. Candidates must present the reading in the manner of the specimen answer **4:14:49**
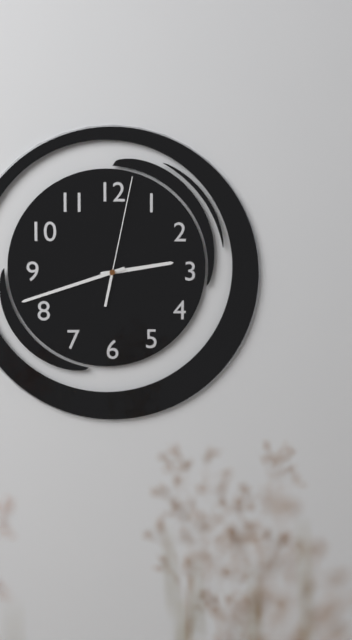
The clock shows **2:42:02**
